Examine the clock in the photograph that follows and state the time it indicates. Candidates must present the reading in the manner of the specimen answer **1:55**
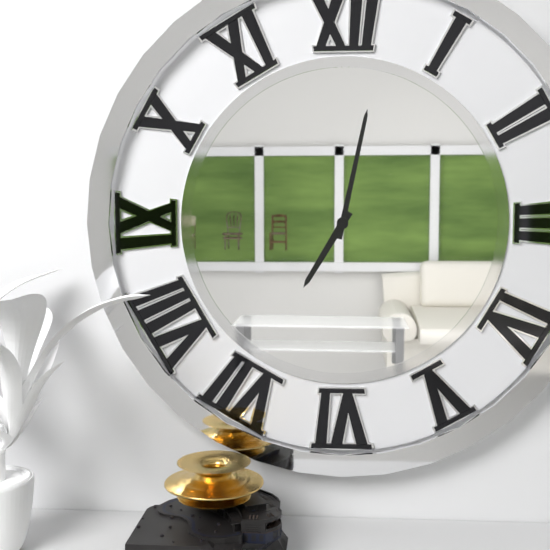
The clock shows **7:02**
